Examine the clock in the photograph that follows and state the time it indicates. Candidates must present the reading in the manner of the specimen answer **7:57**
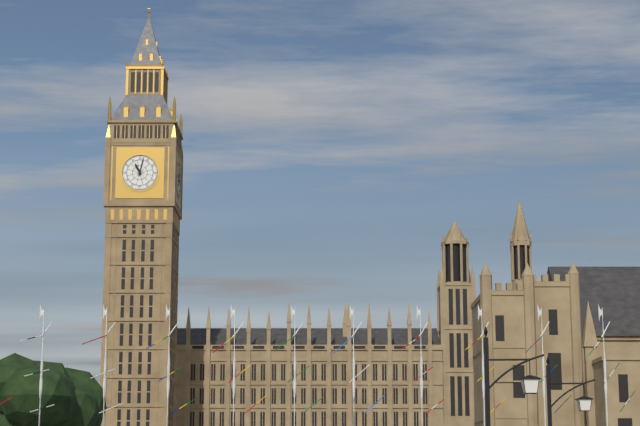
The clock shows **11:02**
